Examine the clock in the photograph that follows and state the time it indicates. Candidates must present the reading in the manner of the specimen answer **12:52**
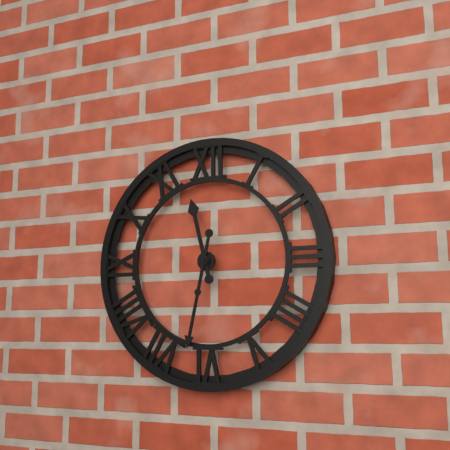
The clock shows **11:32**
